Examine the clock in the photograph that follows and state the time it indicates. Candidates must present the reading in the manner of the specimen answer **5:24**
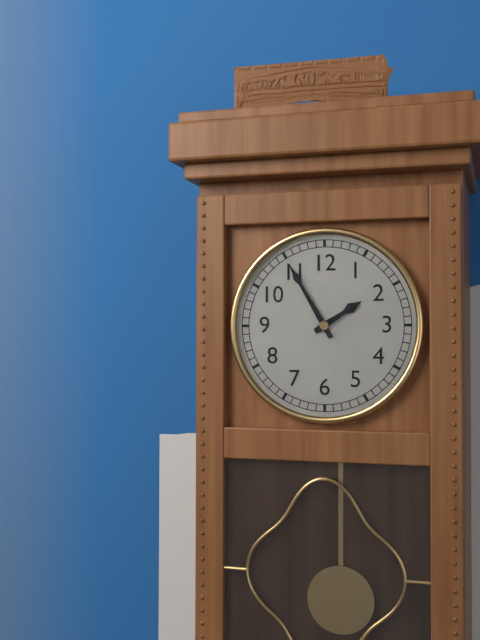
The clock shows **1:55**
